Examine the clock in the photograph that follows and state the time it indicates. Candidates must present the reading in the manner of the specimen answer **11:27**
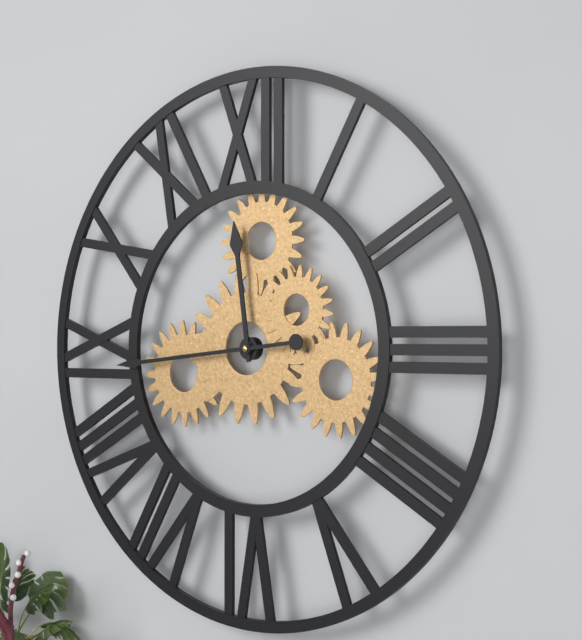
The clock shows **11:44**
